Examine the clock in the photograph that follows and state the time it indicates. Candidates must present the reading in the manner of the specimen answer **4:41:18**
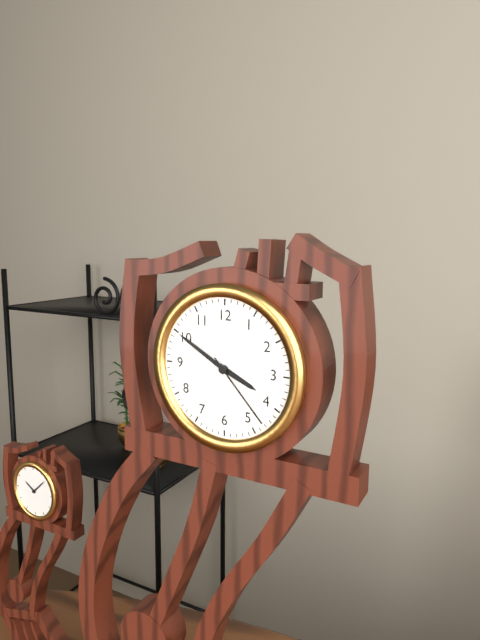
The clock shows **3:50:23**
